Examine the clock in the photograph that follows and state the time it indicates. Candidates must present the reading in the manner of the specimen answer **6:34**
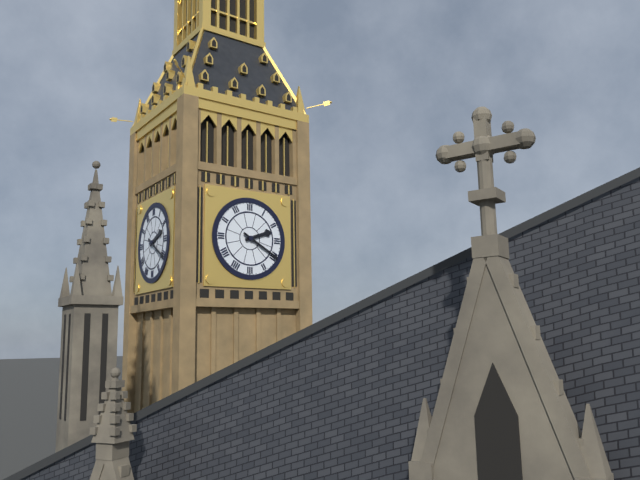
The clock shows **2:20**
